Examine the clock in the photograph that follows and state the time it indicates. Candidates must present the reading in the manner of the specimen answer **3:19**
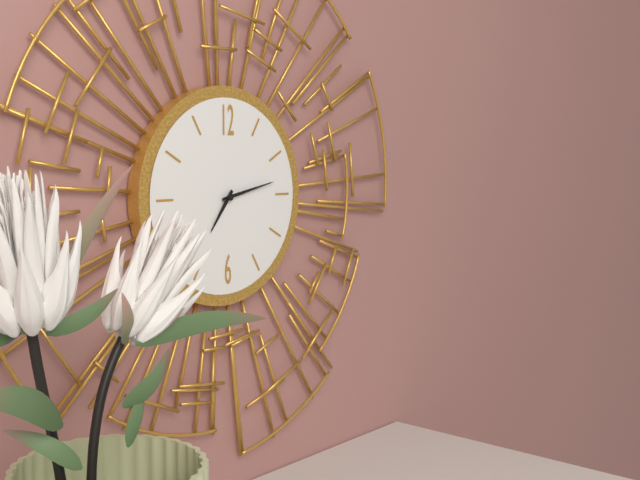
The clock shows **7:13**
